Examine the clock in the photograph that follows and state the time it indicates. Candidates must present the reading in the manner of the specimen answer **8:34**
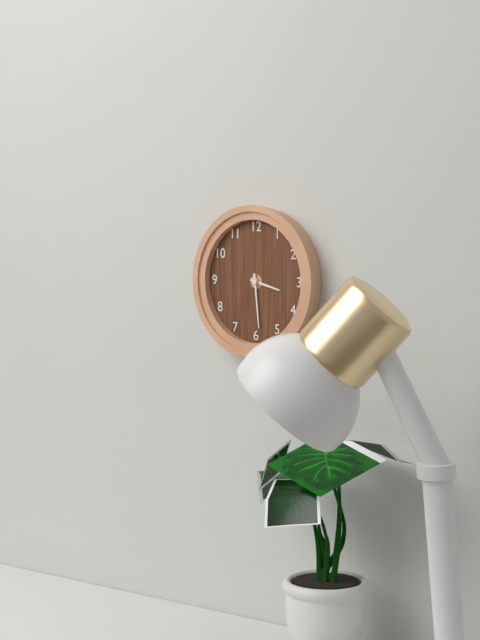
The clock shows **3:29**
